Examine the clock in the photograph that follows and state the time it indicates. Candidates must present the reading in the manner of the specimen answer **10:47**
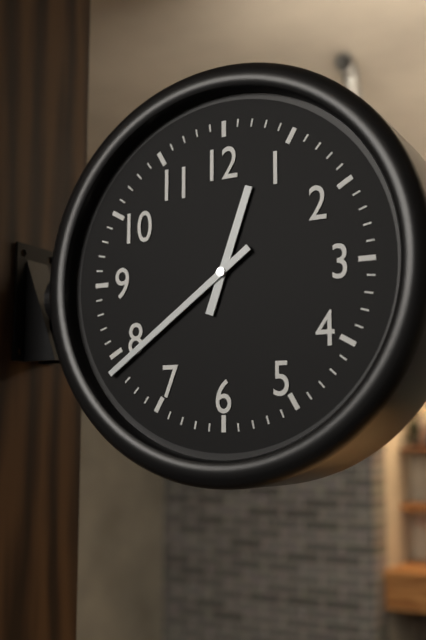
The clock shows **12:39**
